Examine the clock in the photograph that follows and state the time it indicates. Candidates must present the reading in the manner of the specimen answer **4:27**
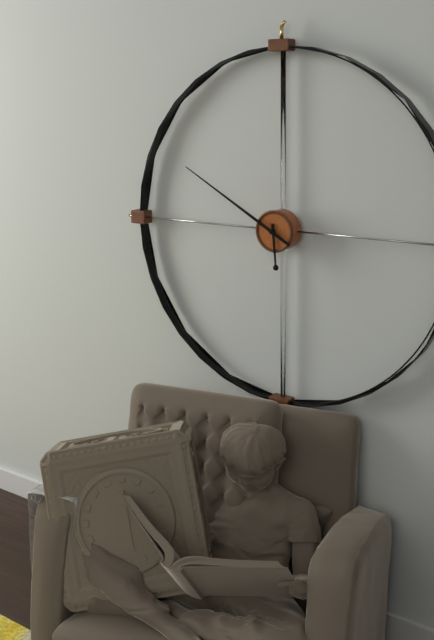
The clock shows **5:50**
